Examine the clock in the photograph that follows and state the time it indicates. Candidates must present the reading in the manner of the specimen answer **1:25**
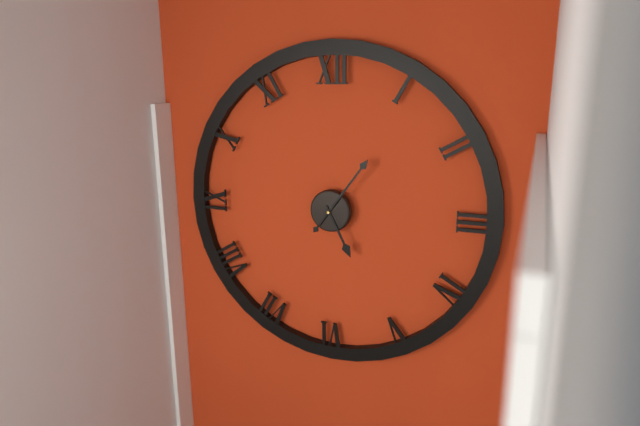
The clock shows **5:06**
